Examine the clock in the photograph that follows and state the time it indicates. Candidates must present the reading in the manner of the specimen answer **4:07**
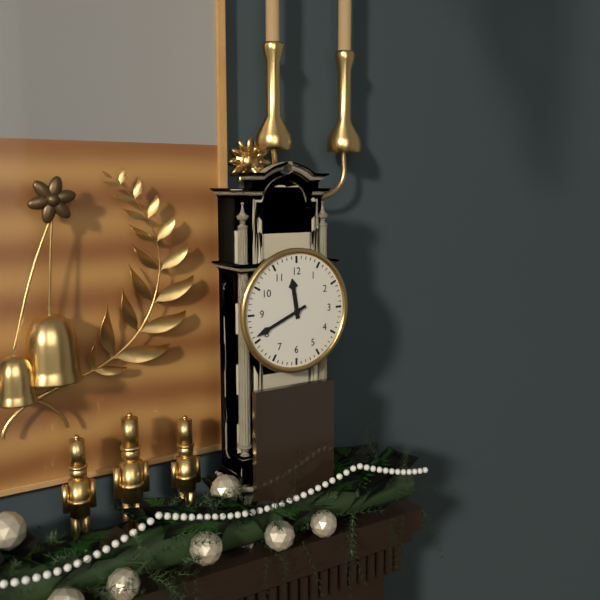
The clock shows **11:41**
